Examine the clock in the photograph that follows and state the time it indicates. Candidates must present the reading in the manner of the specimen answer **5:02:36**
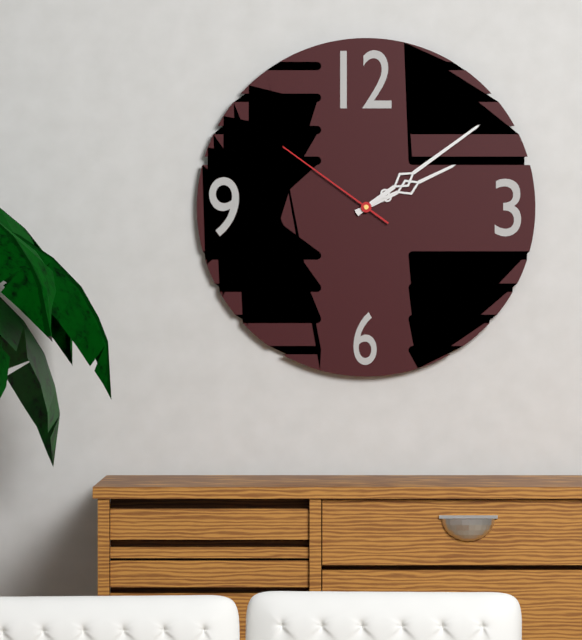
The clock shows **2:09:51**
